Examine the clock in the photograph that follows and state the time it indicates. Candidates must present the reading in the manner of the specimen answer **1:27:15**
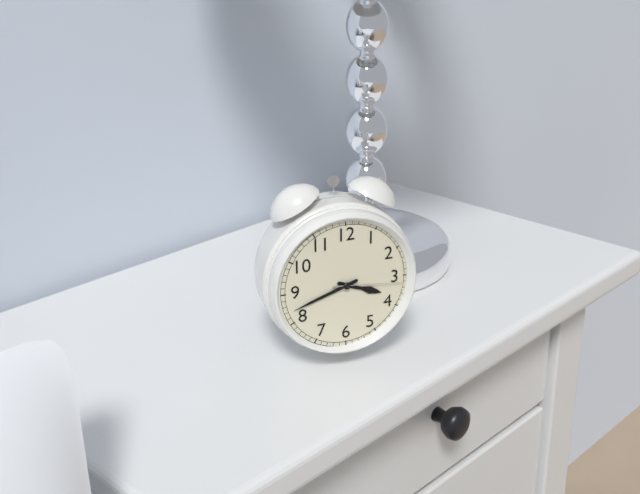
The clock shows **3:42:16**
